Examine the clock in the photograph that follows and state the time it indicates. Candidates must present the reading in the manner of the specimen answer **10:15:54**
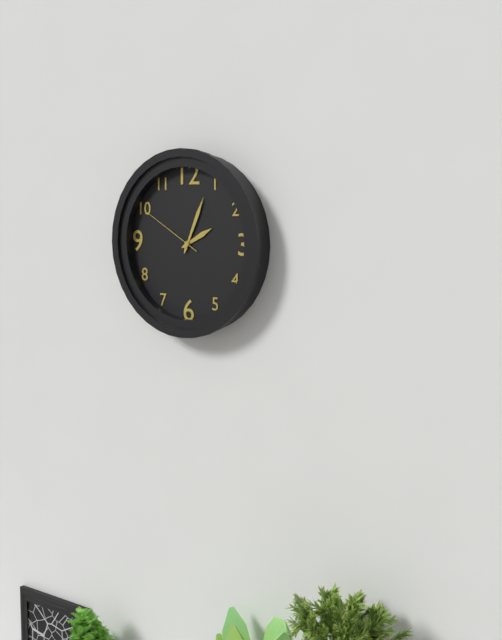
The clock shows **2:04:50**
